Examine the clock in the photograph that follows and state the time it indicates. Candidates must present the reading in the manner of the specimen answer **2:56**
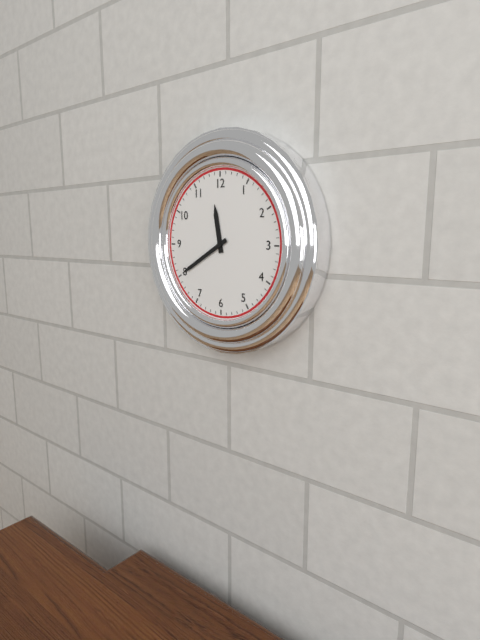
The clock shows **11:40**
